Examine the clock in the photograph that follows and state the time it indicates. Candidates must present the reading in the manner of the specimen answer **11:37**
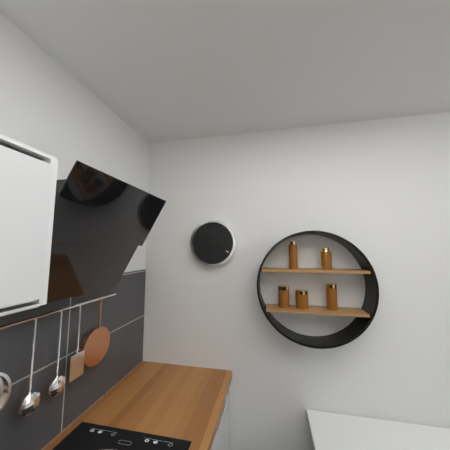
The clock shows **10:14**
